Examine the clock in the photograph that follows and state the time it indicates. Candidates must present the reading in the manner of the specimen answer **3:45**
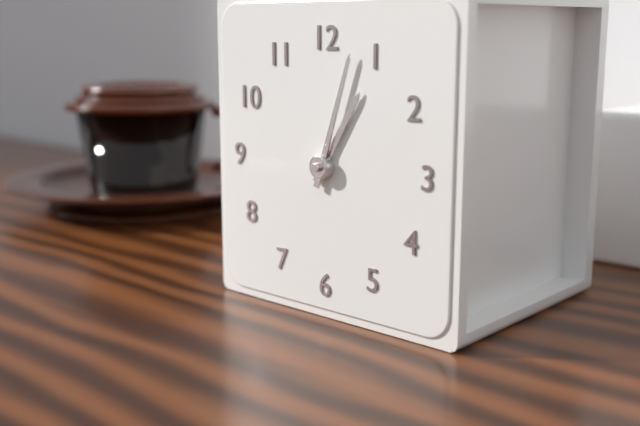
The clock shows **1:03**
